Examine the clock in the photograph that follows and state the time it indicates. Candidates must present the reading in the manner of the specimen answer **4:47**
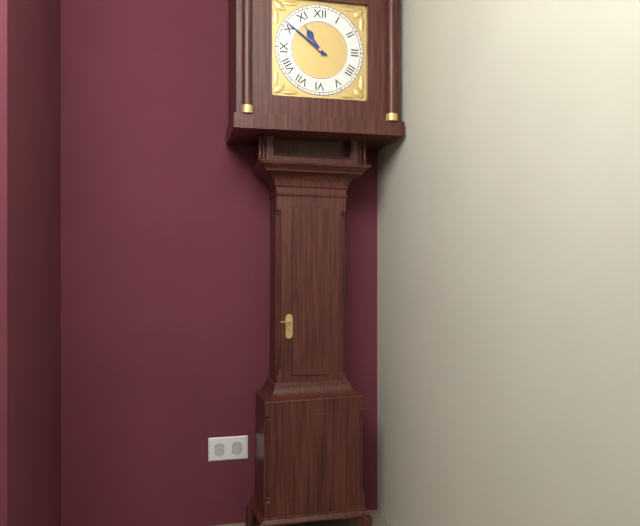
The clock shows **10:51**
